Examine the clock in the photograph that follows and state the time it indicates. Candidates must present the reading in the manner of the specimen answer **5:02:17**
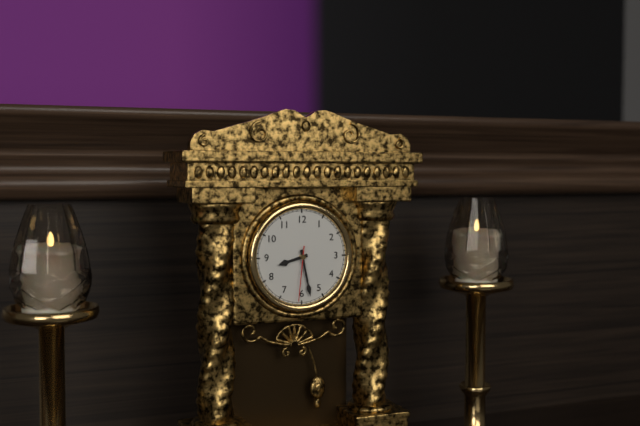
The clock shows **8:28:31**
